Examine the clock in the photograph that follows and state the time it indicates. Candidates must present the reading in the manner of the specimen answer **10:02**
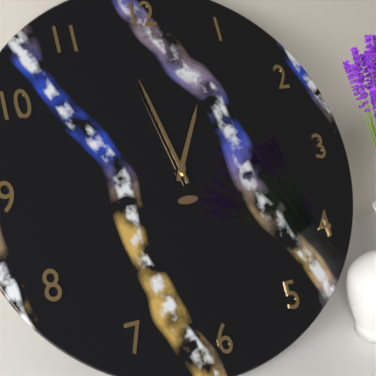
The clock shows **12:58**
